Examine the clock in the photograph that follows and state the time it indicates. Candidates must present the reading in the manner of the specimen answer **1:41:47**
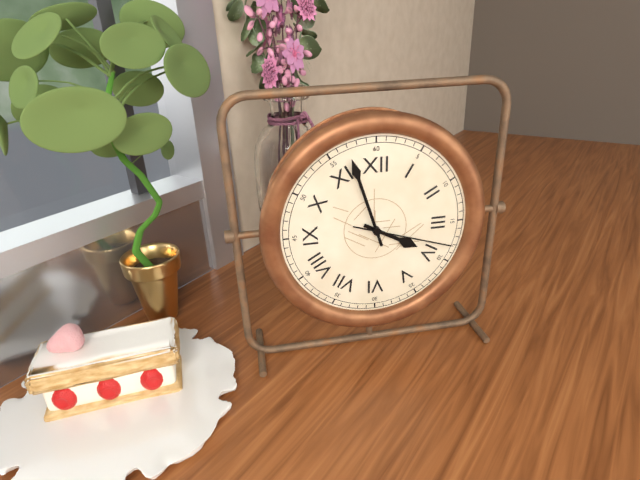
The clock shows **3:57:18**
